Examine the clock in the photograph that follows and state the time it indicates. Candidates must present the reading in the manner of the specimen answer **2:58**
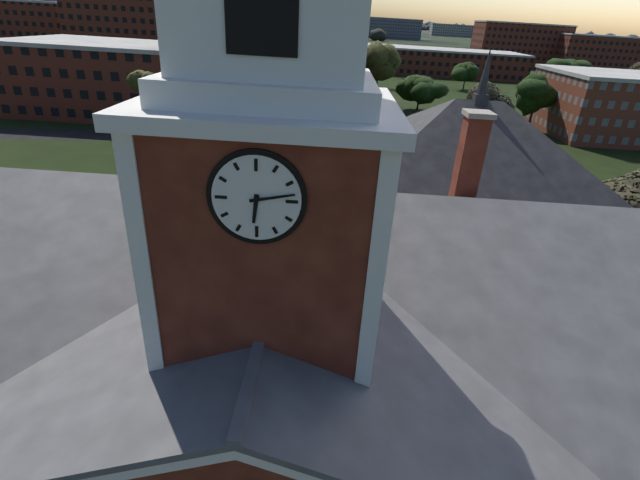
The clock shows **6:13**
